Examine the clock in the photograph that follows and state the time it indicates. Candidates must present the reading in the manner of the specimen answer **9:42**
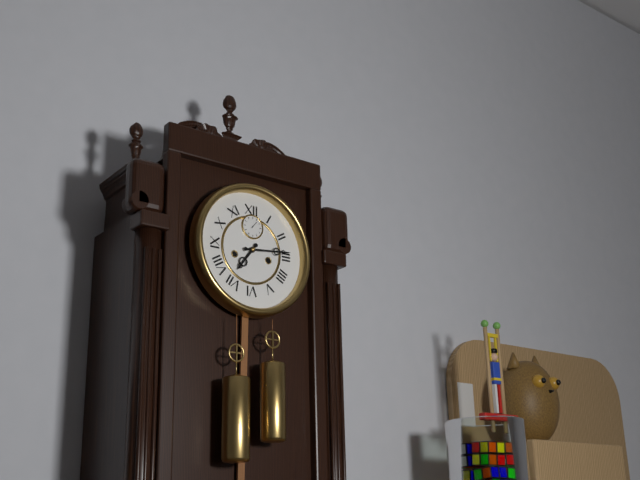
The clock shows **7:14**
